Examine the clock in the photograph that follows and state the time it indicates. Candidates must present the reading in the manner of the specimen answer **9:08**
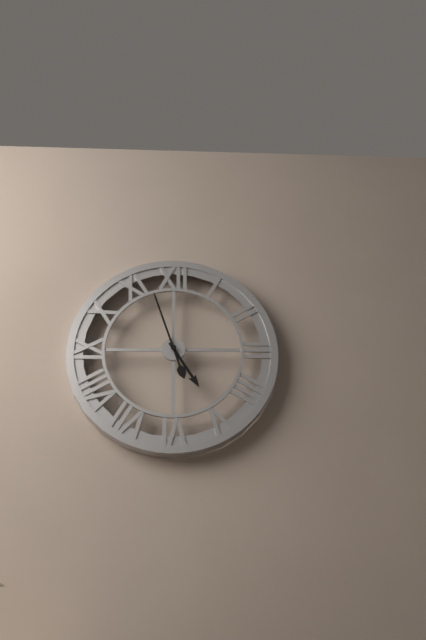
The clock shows **4:57**
